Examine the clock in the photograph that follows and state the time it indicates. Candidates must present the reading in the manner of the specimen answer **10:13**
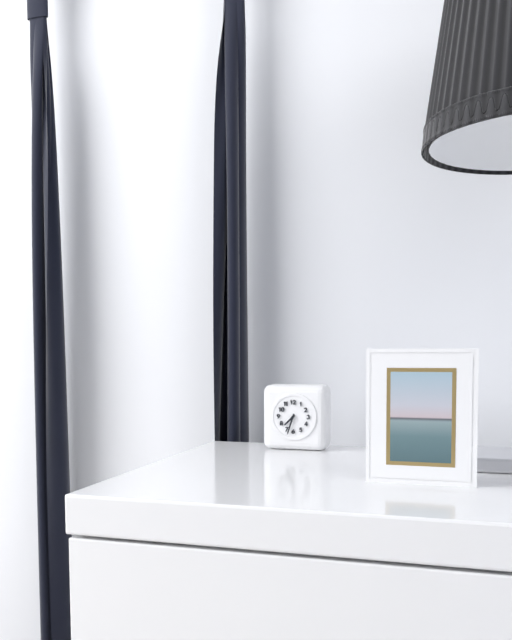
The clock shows **7:33**
